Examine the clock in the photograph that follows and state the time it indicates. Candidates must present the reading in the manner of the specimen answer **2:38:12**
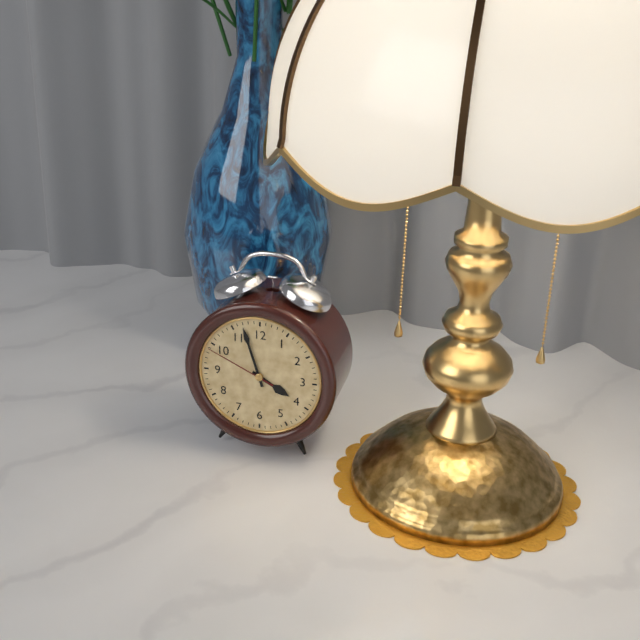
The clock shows **3:57:49**
